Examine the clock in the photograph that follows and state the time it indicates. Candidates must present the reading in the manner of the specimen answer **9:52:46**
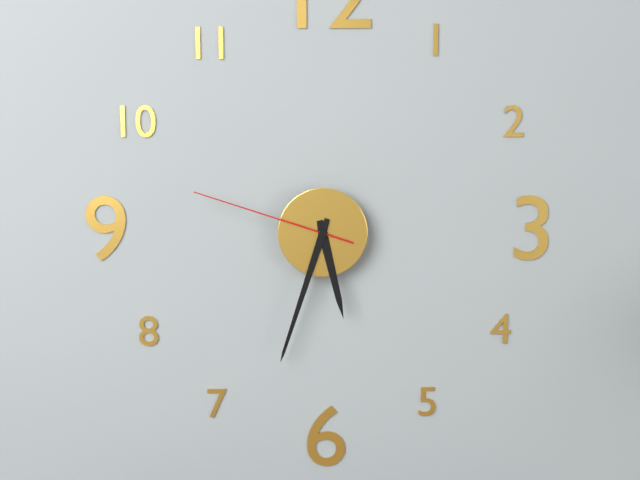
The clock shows **5:33:48**
